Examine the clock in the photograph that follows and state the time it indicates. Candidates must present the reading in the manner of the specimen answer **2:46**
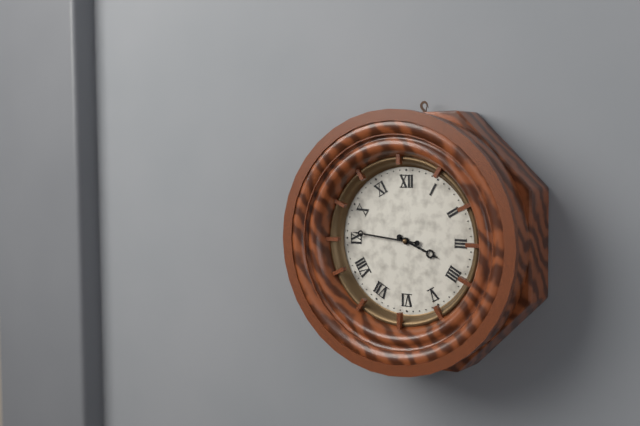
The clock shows **3:46**
